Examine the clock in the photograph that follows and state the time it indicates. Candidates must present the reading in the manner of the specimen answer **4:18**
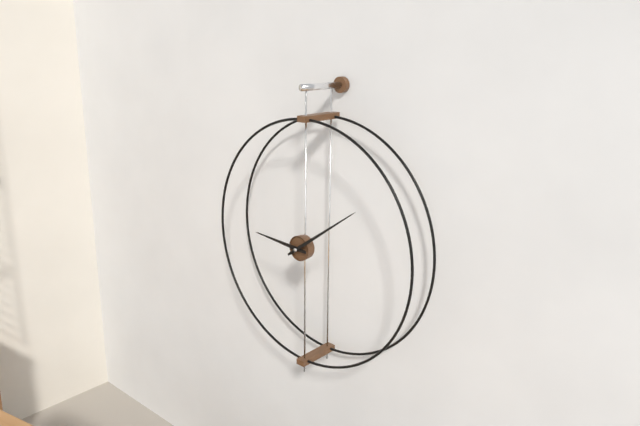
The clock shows **9:09**
